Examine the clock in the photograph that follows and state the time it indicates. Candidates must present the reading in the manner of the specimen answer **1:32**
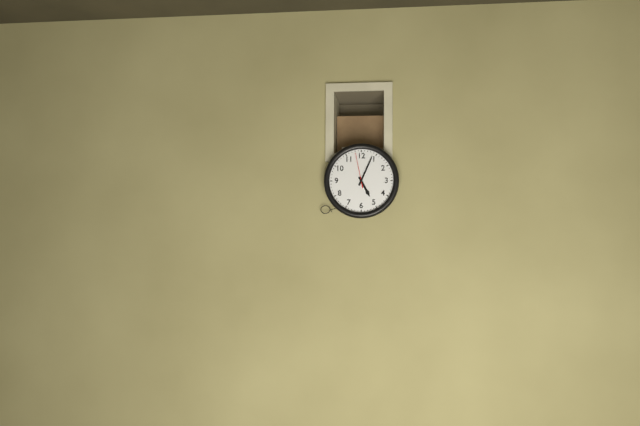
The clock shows **5:04**
